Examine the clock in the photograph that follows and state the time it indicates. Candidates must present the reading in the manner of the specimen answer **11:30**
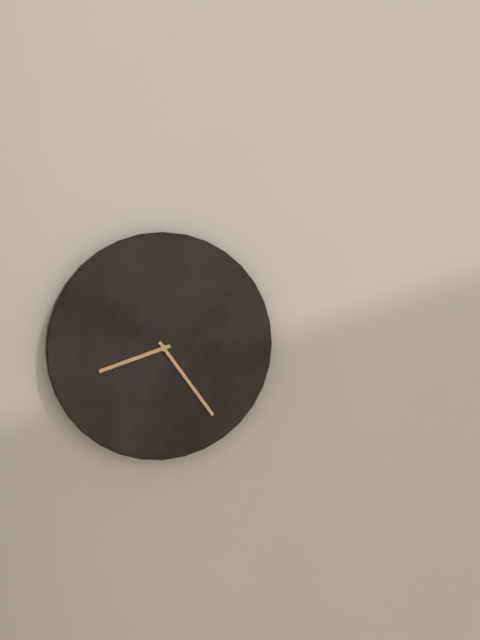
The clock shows **8:24**
